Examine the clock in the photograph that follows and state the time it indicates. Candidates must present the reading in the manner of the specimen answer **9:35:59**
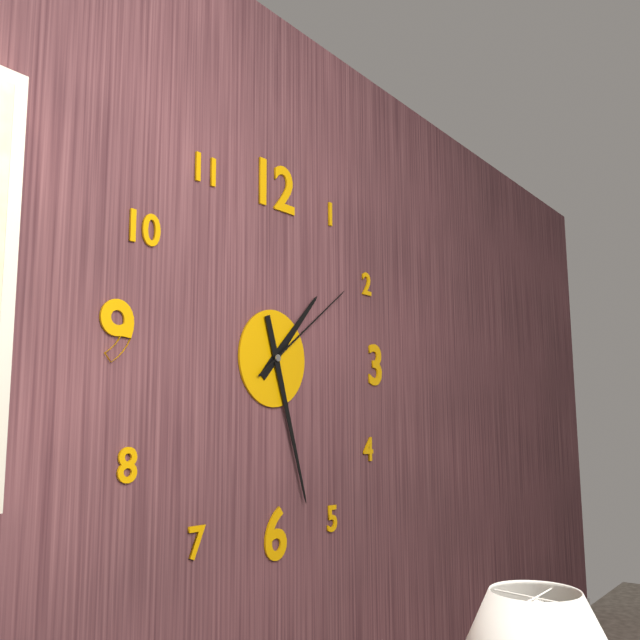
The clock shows **1:27:09**
